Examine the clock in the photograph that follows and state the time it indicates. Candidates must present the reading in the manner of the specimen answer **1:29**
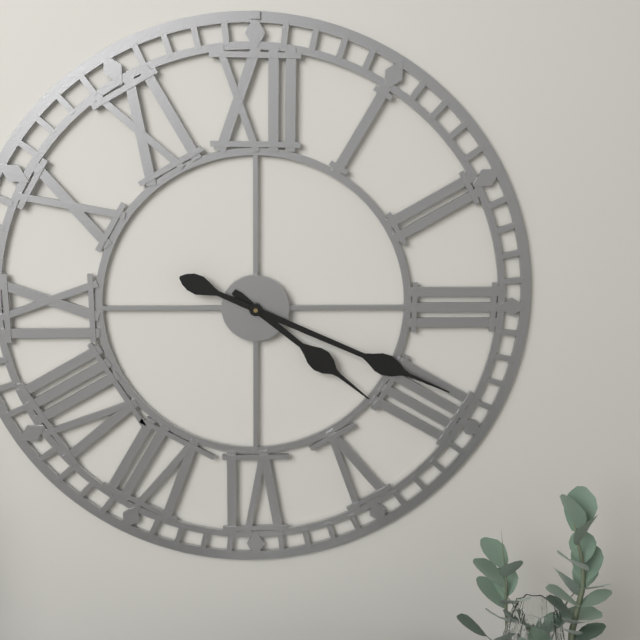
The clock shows **4:19**
